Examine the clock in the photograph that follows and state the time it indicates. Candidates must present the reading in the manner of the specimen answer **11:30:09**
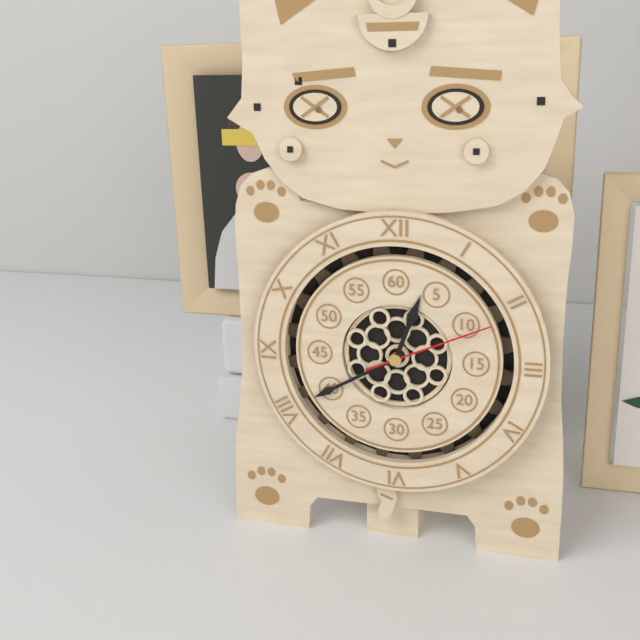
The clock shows **12:40:11**
